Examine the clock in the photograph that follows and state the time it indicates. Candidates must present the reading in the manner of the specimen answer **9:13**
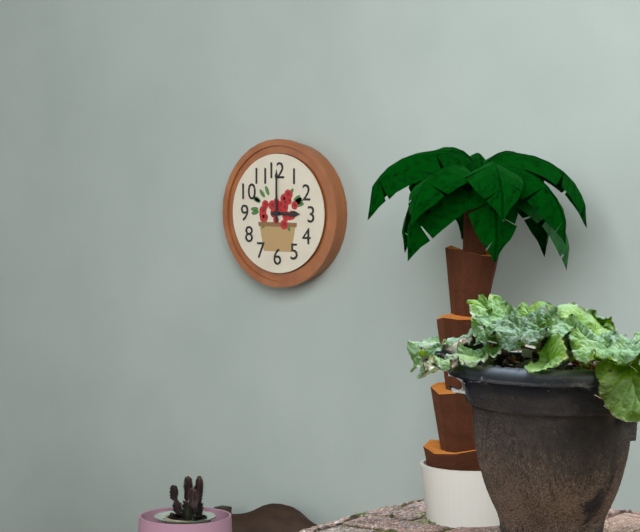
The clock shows **3:00**
